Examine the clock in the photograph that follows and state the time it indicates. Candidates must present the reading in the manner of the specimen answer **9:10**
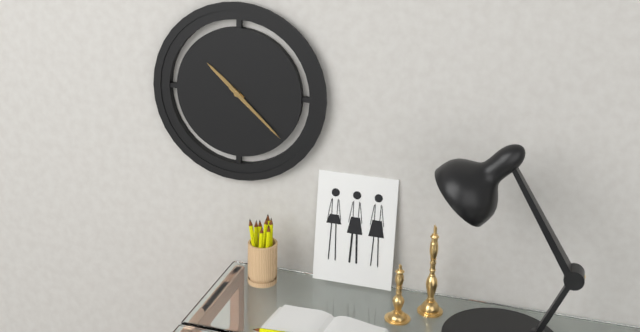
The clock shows **10:22**
